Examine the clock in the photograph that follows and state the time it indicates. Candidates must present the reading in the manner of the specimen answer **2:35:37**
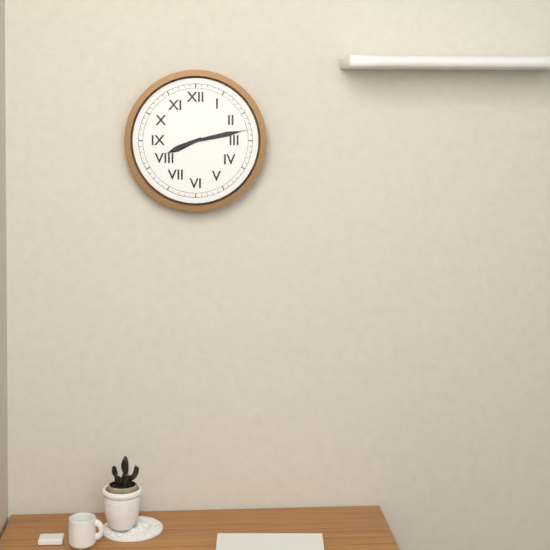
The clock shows **8:13:13**
